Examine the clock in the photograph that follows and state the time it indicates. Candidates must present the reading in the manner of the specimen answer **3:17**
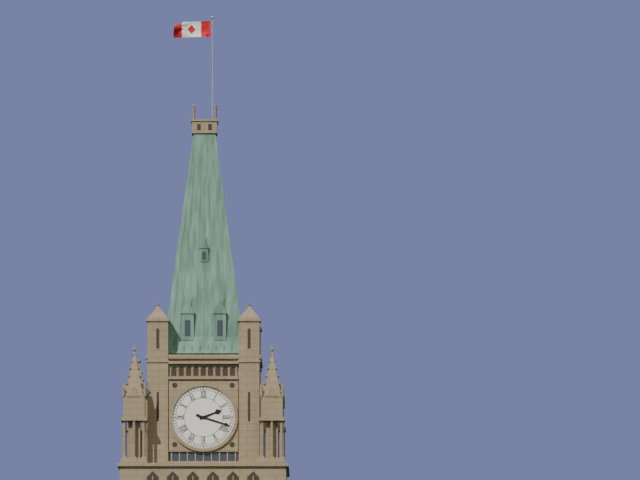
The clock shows **2:18**
